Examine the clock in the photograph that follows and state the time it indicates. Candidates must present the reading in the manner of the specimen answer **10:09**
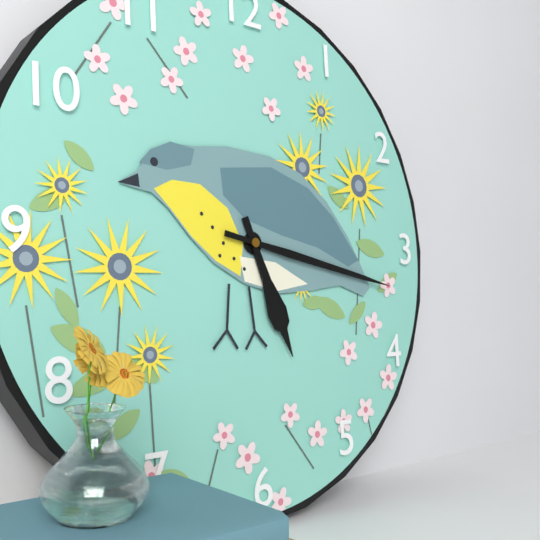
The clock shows **5:17**
